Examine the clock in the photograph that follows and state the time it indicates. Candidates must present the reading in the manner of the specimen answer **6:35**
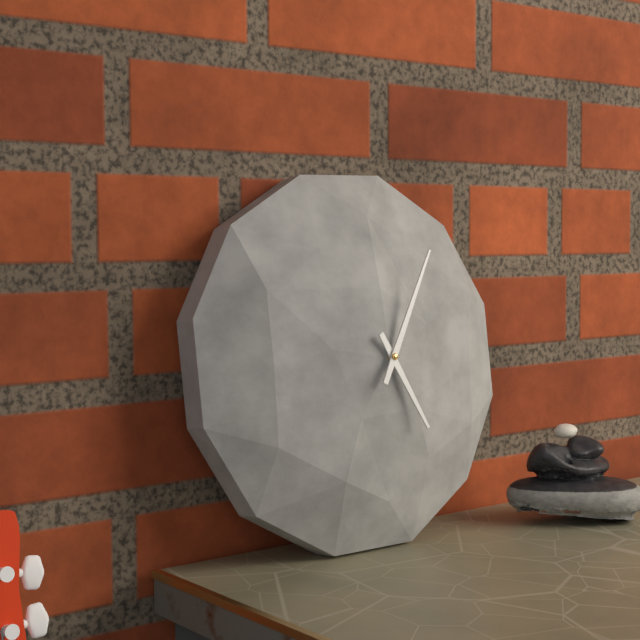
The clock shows **5:05**
